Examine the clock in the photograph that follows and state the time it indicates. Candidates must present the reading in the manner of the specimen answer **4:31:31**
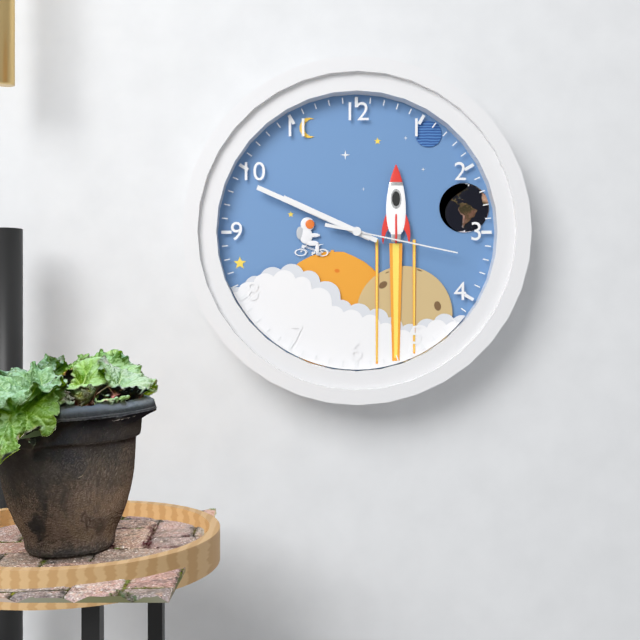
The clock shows **9:49:17**
